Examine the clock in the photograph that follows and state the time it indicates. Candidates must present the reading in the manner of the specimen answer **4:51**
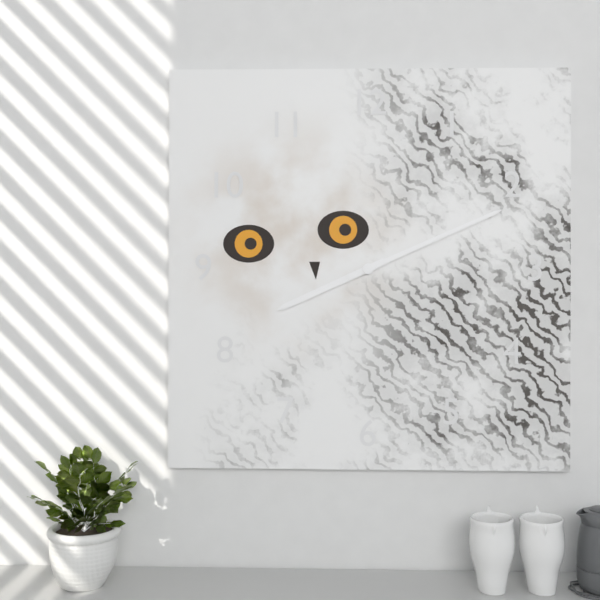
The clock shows **8:11**
